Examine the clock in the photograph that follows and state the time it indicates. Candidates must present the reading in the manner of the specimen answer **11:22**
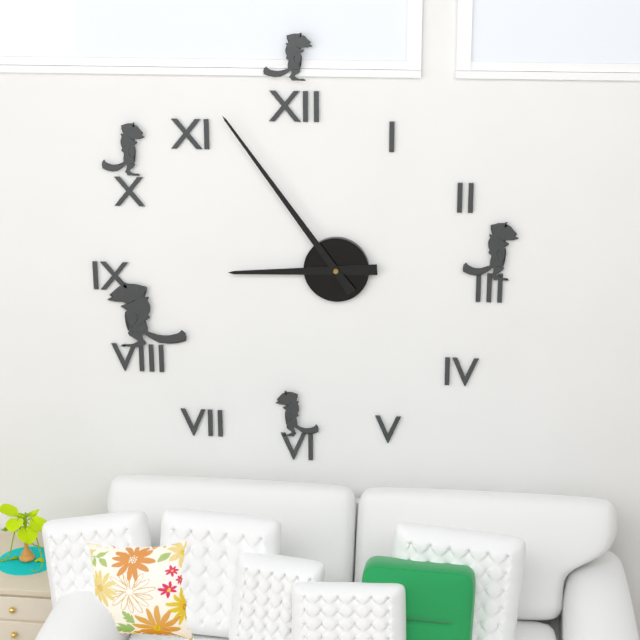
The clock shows **8:54**
